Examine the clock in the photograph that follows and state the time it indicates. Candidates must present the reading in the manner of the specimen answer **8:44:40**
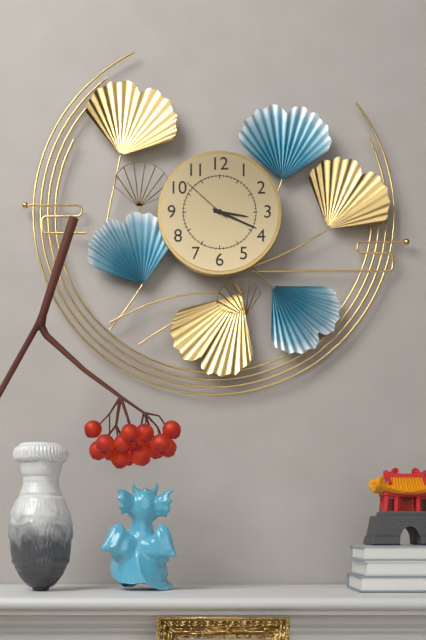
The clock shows **3:19:52**
